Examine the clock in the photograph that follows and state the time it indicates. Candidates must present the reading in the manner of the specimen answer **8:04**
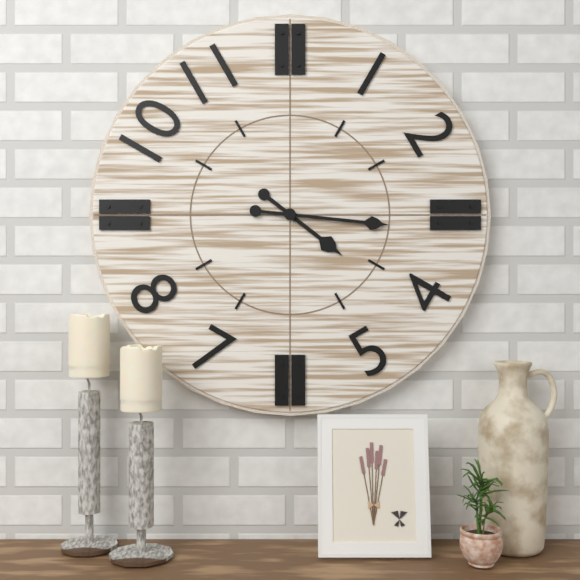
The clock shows **4:16**
